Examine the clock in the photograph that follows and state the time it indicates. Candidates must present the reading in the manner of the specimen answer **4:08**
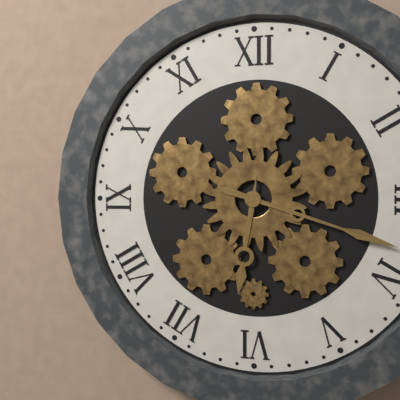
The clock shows **6:18**
